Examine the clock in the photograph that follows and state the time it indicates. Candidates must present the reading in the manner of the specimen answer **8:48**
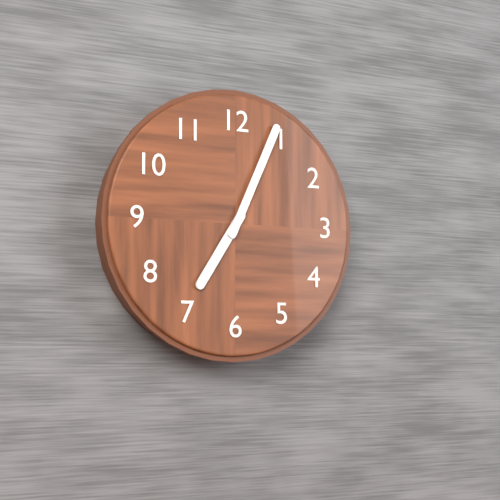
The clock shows **7:04**
